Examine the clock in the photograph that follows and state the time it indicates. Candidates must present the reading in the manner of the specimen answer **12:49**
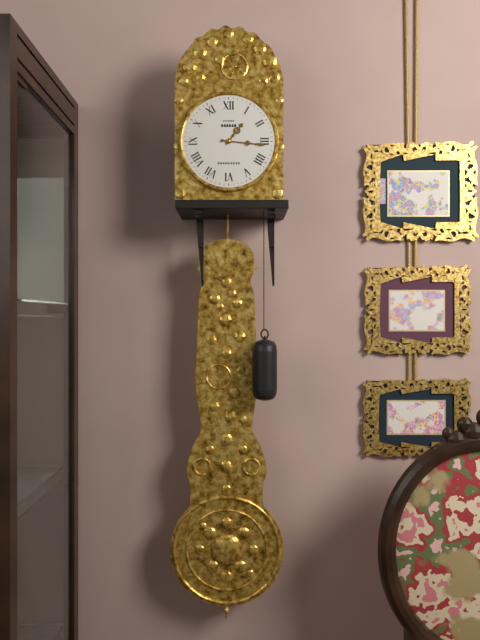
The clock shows **1:16**
